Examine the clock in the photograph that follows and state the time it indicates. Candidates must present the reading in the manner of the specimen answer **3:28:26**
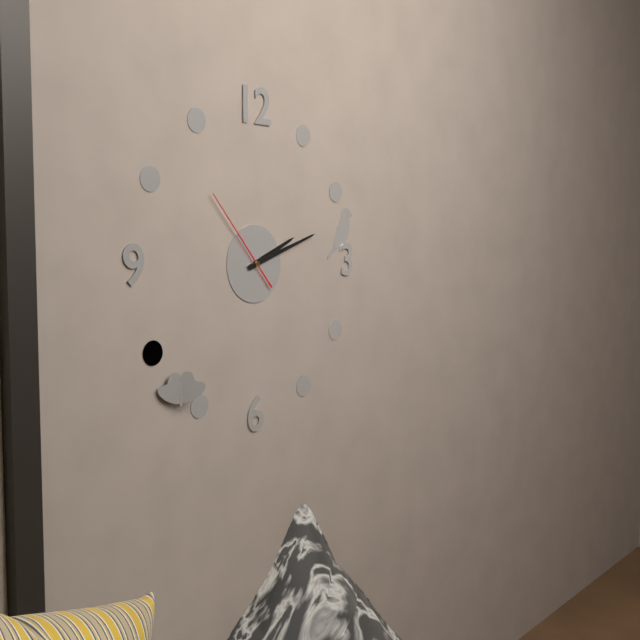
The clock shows **2:12:53**
